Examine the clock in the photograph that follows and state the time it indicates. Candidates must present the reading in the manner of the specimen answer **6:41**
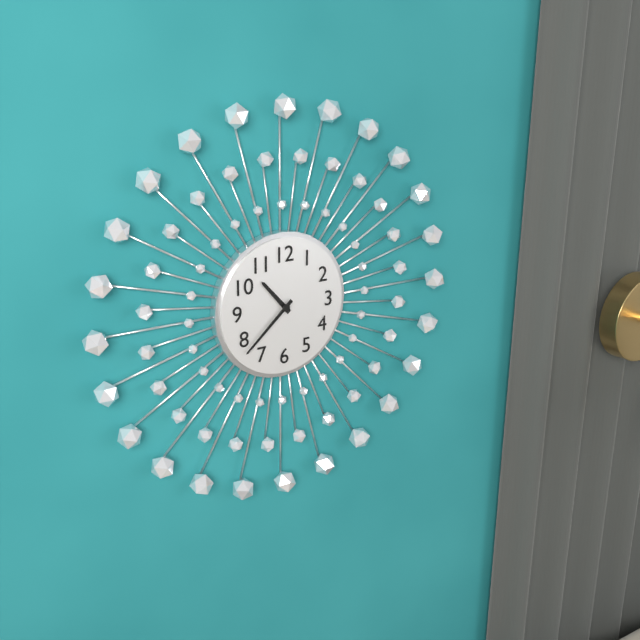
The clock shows **10:38**
